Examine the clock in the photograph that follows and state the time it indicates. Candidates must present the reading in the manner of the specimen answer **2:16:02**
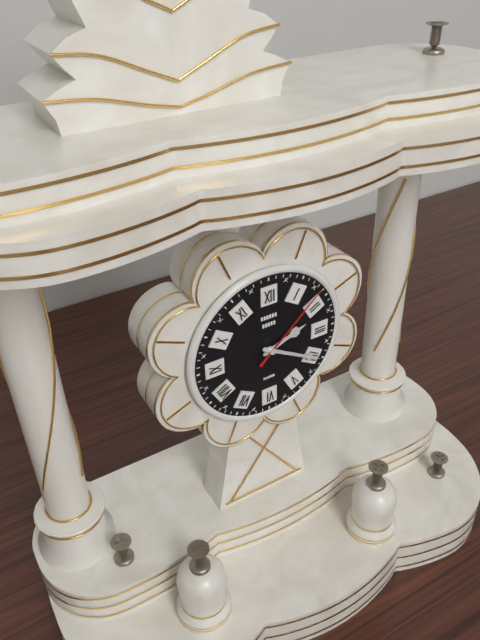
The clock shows **2:20:08**
